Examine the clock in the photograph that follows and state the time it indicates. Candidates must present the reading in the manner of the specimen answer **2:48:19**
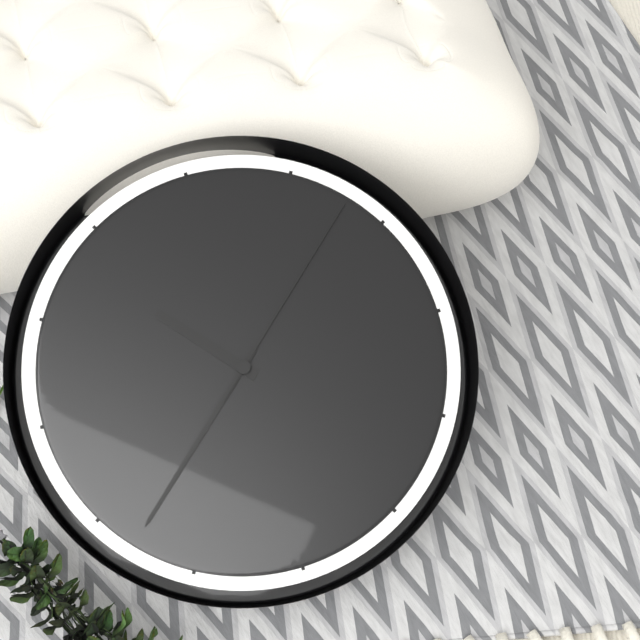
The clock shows **10:38:08**
